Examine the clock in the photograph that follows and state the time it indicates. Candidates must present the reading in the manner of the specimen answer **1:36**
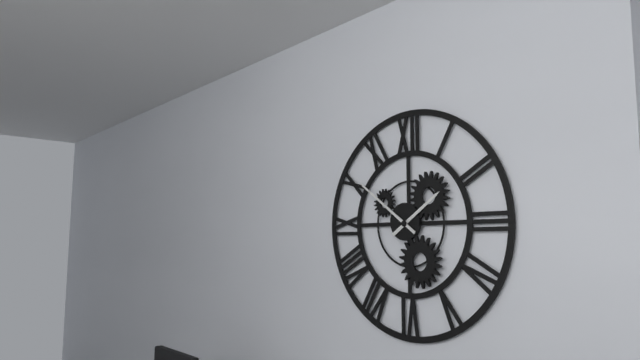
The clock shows **1:51**
